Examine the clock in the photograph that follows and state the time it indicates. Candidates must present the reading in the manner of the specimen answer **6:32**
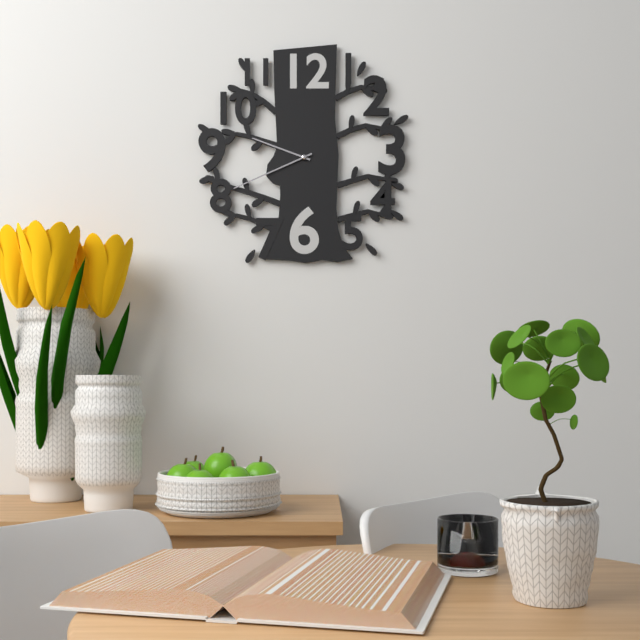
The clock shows **9:41**
